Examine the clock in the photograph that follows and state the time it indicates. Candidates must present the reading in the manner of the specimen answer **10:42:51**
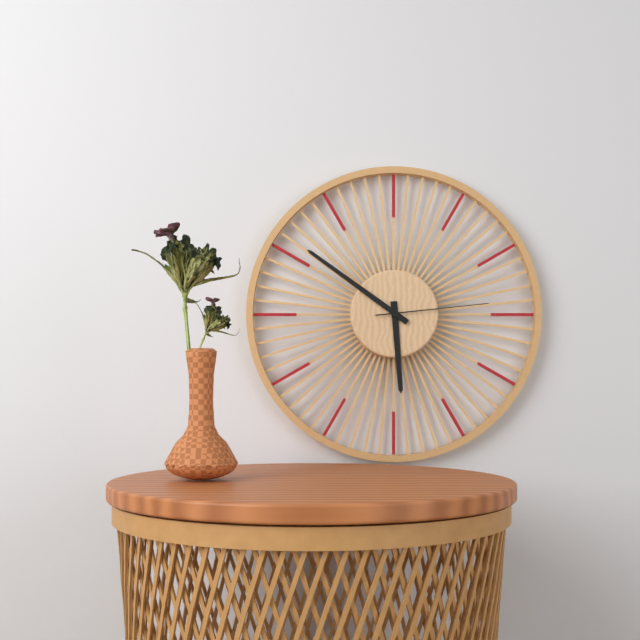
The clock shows **5:51:14**
